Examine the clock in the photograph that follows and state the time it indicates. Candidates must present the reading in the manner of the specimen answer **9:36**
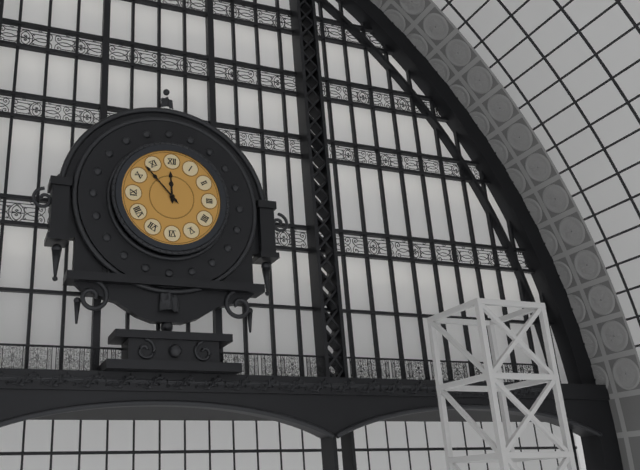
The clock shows **11:53**
